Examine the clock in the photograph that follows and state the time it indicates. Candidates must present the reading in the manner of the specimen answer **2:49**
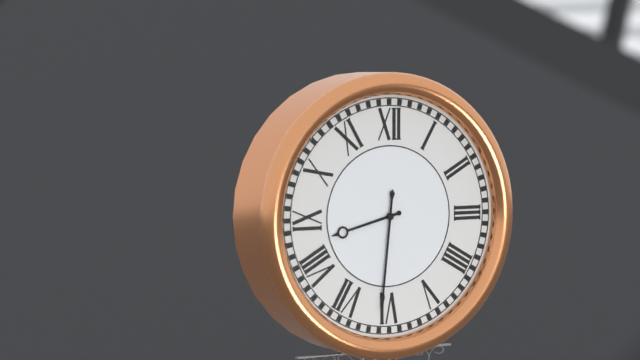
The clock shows **8:31**
